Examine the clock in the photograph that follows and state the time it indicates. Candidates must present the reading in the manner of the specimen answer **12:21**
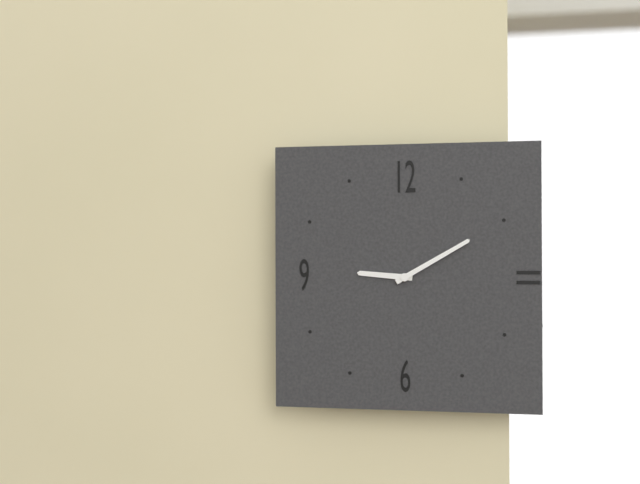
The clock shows **9:10**
